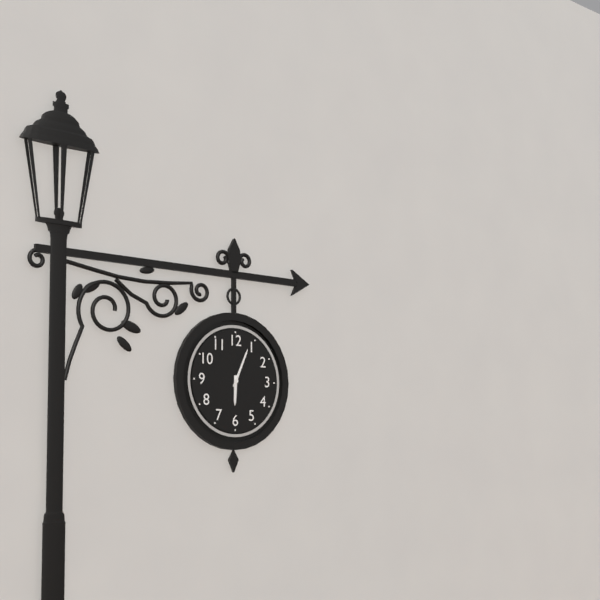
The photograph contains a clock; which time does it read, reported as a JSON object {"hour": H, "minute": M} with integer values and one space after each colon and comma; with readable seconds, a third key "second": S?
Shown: {"hour": 6, "minute": 4}
